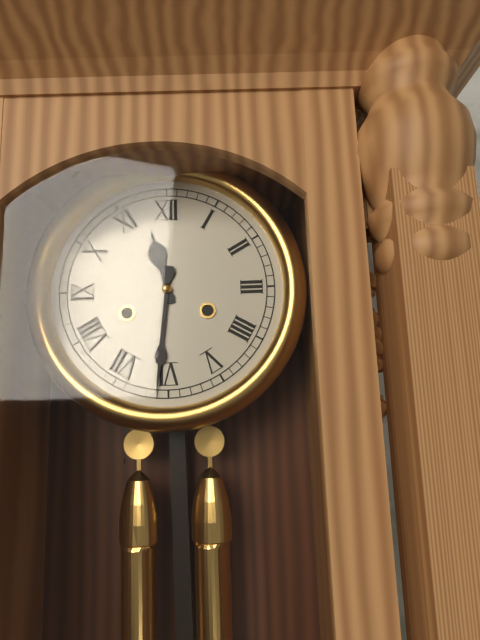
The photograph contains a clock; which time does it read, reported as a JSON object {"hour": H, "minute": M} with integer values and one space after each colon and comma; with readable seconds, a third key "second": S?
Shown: {"hour": 11, "minute": 31}
